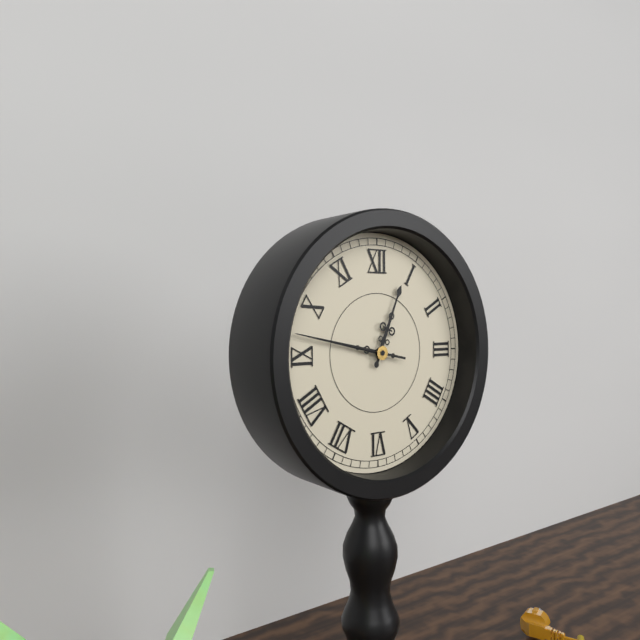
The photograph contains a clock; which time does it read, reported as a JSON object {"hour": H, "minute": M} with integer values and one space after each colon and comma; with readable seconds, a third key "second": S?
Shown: {"hour": 12, "minute": 47, "second": 47}
